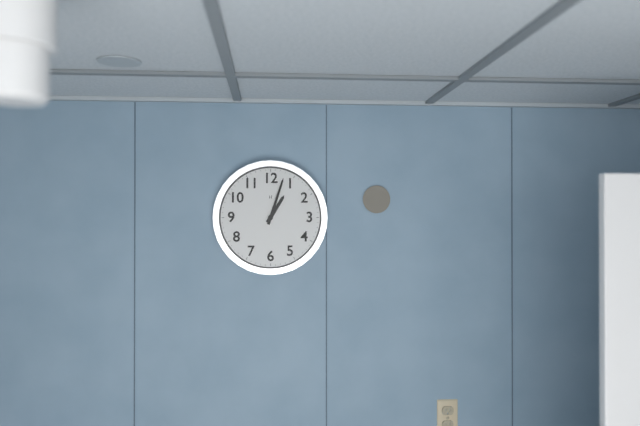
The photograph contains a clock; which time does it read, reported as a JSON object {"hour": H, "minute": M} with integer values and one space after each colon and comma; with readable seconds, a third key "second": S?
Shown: {"hour": 1, "minute": 3}
